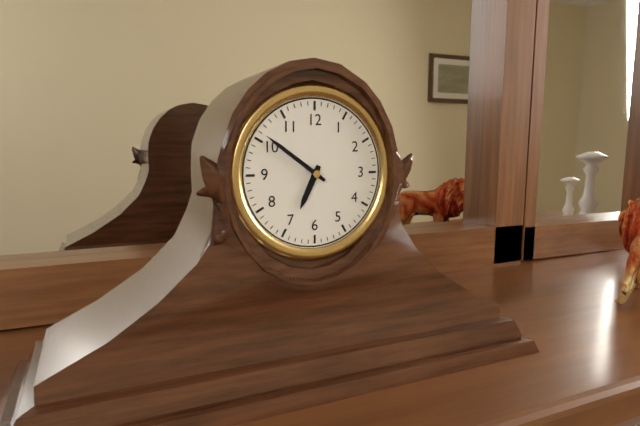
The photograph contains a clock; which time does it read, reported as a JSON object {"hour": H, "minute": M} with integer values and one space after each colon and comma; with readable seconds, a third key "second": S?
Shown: {"hour": 6, "minute": 51}
